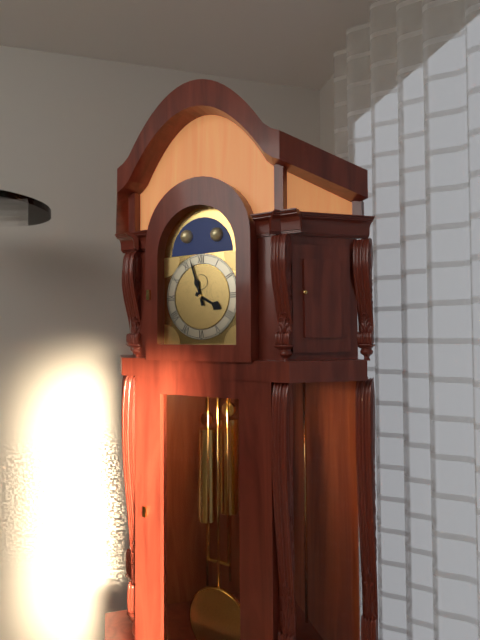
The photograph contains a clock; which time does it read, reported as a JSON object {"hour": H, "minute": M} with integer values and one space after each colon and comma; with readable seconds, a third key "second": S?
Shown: {"hour": 3, "minute": 57}
